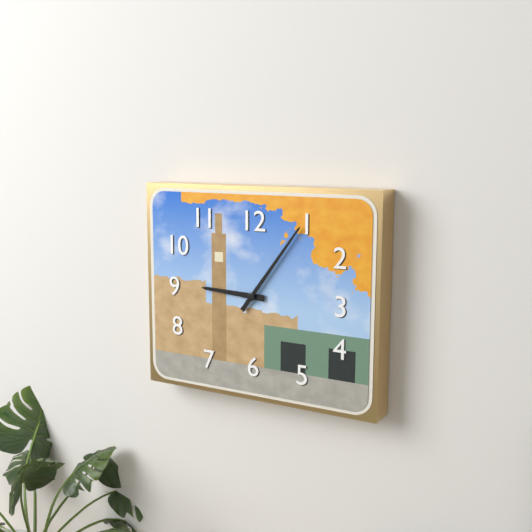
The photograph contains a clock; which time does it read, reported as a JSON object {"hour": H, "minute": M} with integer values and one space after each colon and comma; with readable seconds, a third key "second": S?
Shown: {"hour": 9, "minute": 6}
